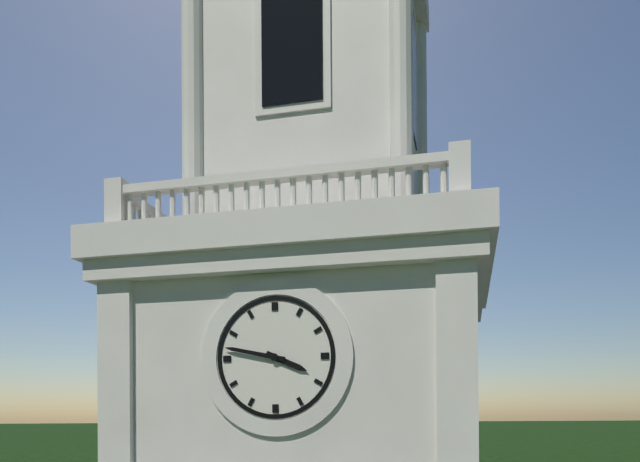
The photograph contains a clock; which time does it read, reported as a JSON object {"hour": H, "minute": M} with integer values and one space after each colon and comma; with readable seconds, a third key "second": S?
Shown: {"hour": 3, "minute": 47}
